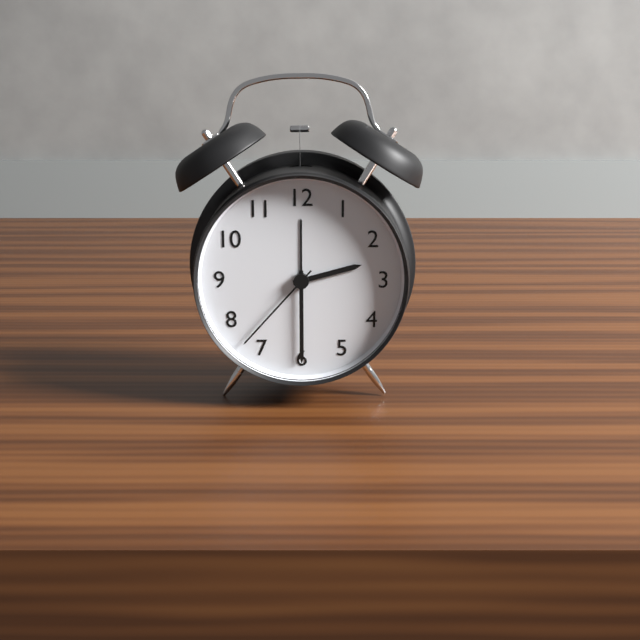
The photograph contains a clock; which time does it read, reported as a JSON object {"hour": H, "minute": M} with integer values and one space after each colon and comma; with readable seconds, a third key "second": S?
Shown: {"hour": 2, "minute": 30, "second": 37}
